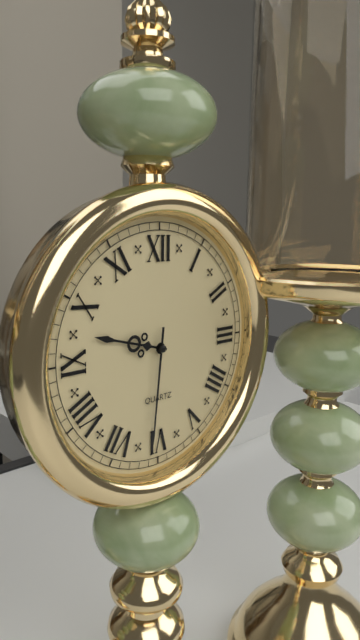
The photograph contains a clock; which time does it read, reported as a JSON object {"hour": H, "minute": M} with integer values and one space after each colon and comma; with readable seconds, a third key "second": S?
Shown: {"hour": 9, "minute": 31}
